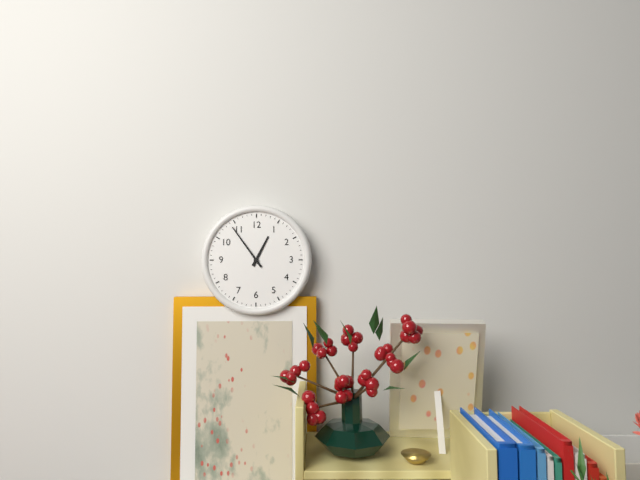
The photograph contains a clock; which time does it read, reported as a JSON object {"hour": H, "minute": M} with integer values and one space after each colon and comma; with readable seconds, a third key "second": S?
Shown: {"hour": 12, "minute": 54}
